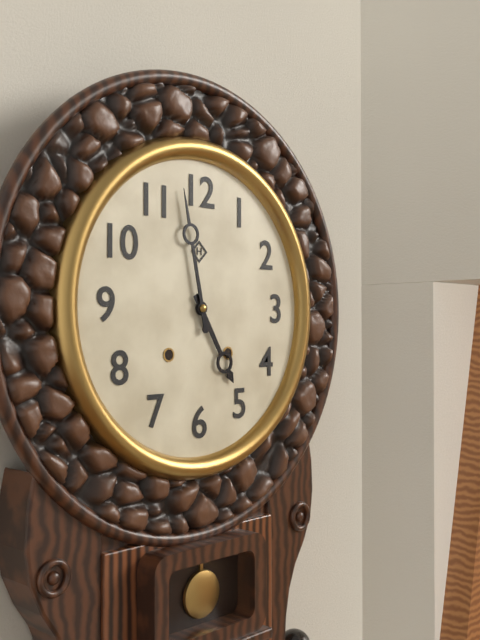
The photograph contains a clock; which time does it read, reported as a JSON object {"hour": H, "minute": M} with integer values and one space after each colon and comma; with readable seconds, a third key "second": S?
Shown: {"hour": 4, "minute": 58}
